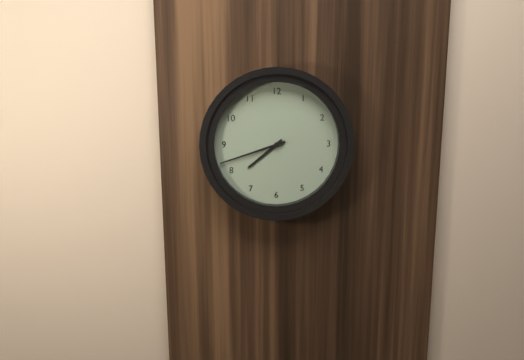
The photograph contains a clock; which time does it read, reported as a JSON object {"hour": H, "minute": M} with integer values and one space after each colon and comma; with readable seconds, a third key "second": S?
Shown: {"hour": 7, "minute": 42}
